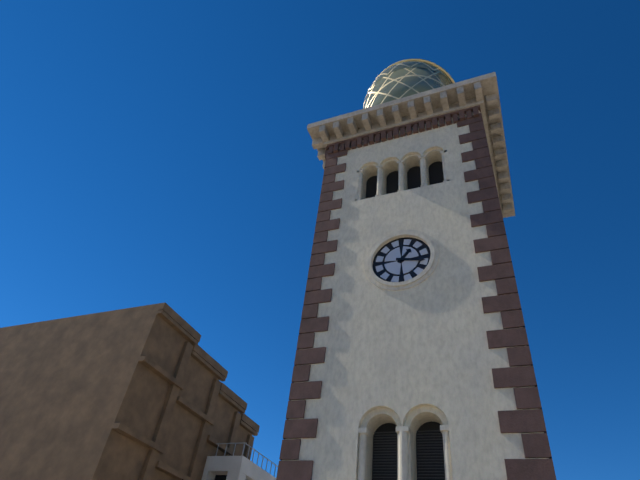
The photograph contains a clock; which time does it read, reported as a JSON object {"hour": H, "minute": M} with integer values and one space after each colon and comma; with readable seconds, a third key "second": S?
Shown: {"hour": 1, "minute": 17}
